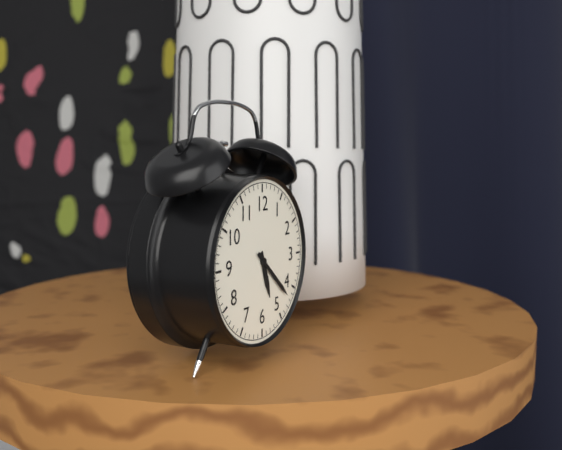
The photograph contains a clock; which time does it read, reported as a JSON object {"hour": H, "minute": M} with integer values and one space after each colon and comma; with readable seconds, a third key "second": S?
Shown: {"hour": 5, "minute": 22}
